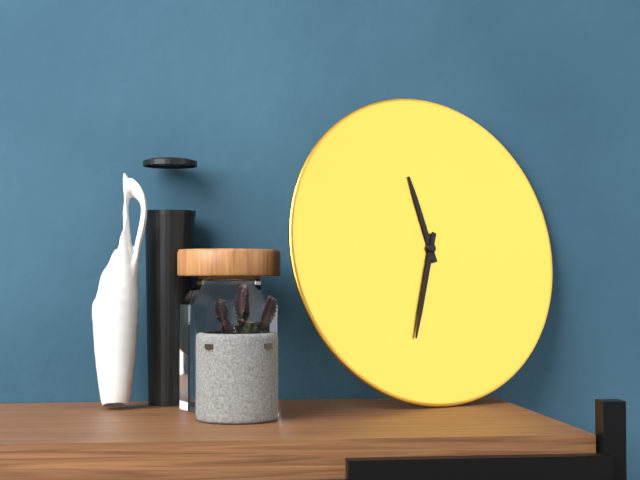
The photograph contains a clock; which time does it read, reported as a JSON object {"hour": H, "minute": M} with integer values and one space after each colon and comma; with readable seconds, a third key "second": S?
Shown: {"hour": 11, "minute": 33}
